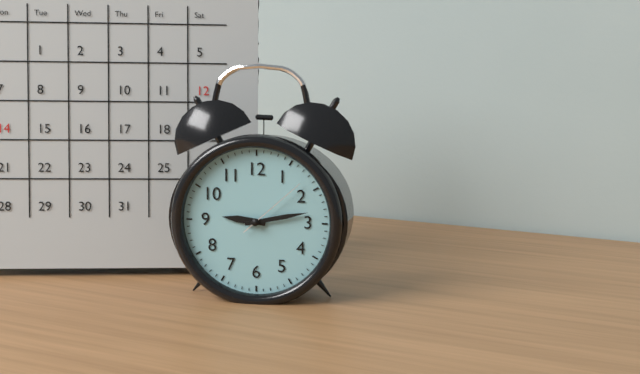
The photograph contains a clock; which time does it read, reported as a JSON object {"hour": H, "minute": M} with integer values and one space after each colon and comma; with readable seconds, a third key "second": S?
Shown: {"hour": 9, "minute": 13, "second": 8}
